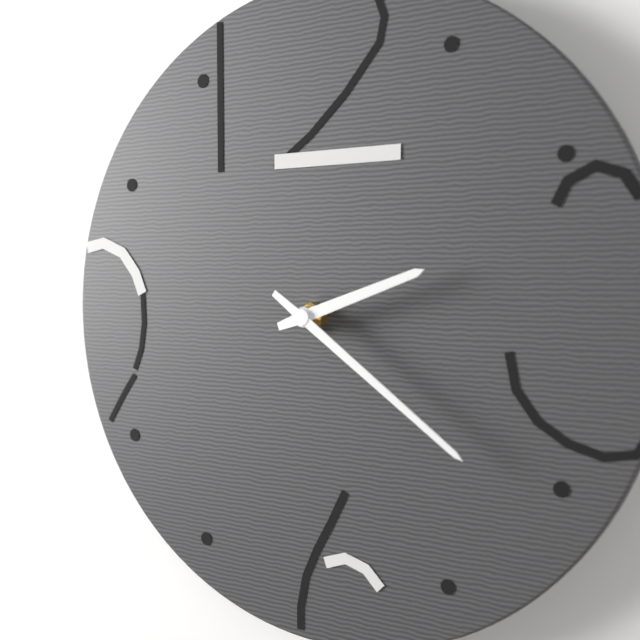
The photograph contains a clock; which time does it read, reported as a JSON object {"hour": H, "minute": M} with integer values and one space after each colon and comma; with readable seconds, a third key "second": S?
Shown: {"hour": 2, "minute": 21}
